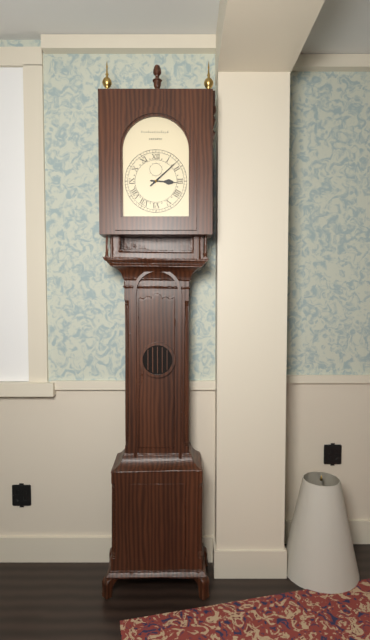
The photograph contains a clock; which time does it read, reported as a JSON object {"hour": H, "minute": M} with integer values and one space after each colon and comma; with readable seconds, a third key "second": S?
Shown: {"hour": 3, "minute": 8}
